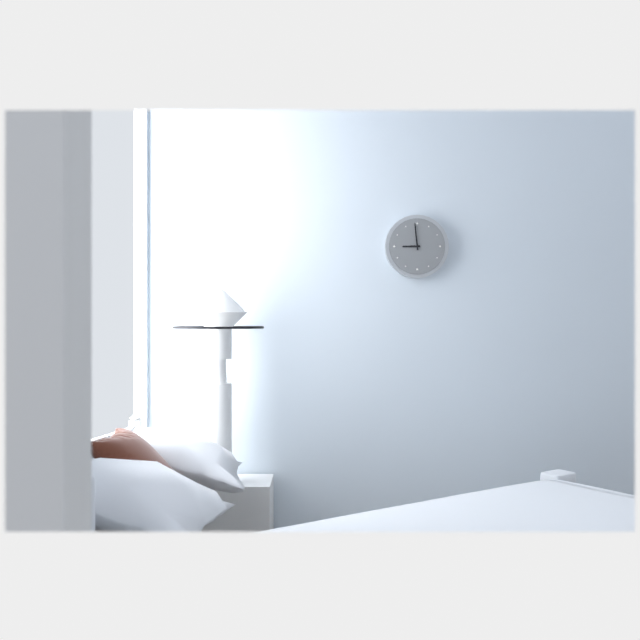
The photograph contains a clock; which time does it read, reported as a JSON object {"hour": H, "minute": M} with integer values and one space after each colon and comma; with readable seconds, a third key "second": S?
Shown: {"hour": 8, "minute": 59}
